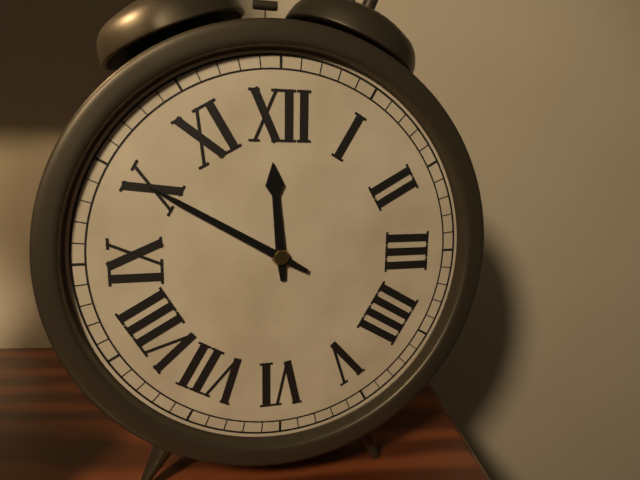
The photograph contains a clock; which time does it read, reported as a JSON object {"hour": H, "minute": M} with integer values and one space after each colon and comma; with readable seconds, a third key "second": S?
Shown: {"hour": 11, "minute": 50}
